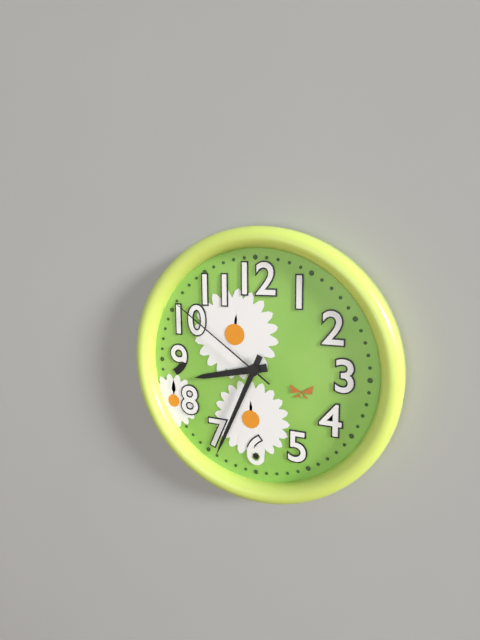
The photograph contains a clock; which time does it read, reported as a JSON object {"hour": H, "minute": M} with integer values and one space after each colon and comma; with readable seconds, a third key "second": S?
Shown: {"hour": 8, "minute": 34, "second": 51}
